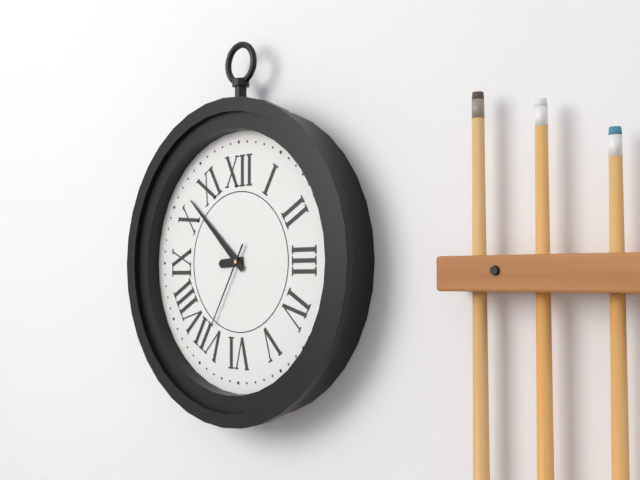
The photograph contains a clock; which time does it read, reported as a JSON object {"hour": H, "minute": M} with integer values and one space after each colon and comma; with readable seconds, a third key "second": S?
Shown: {"hour": 8, "minute": 52, "second": 35}
